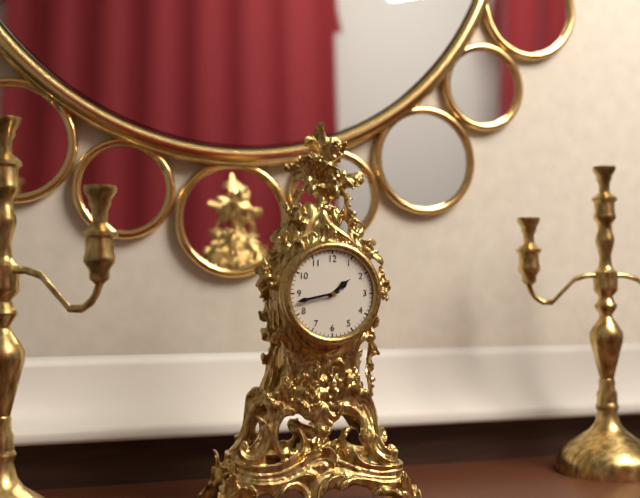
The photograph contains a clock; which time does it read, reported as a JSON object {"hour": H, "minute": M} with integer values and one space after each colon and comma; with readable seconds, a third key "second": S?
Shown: {"hour": 1, "minute": 43}
